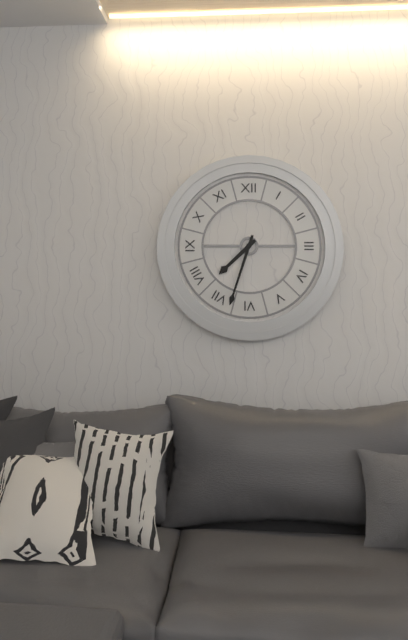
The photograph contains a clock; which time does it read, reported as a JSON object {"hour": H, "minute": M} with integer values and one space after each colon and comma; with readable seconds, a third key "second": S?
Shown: {"hour": 7, "minute": 33}
